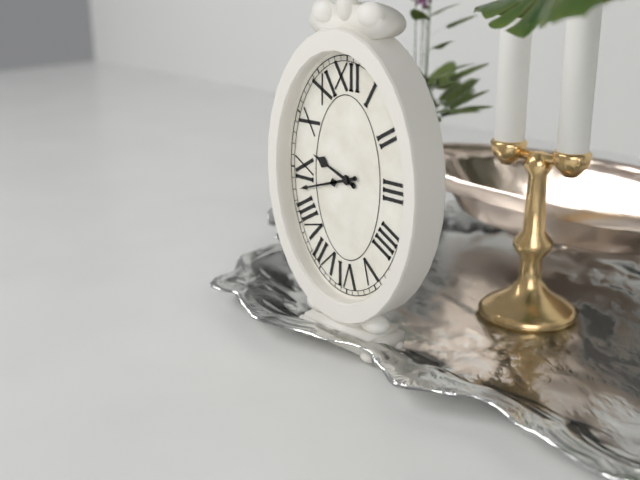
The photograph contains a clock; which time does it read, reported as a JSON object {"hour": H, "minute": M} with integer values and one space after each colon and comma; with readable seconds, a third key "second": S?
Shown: {"hour": 9, "minute": 42}
